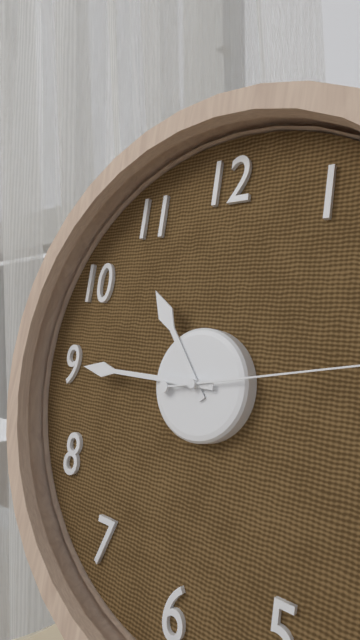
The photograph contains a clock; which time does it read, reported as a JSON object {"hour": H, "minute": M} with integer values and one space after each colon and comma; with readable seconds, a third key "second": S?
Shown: {"hour": 10, "minute": 45}
